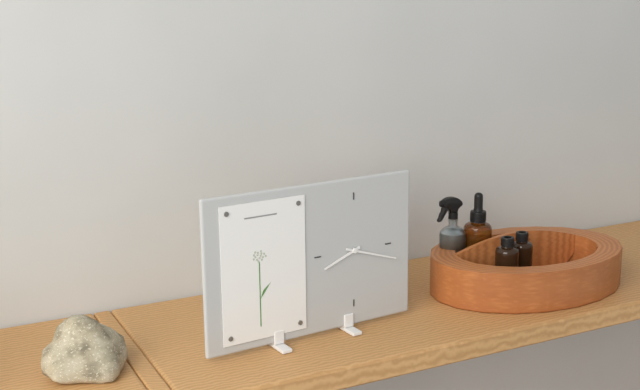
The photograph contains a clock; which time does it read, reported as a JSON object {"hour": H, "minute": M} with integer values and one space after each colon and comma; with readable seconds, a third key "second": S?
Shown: {"hour": 8, "minute": 18}
